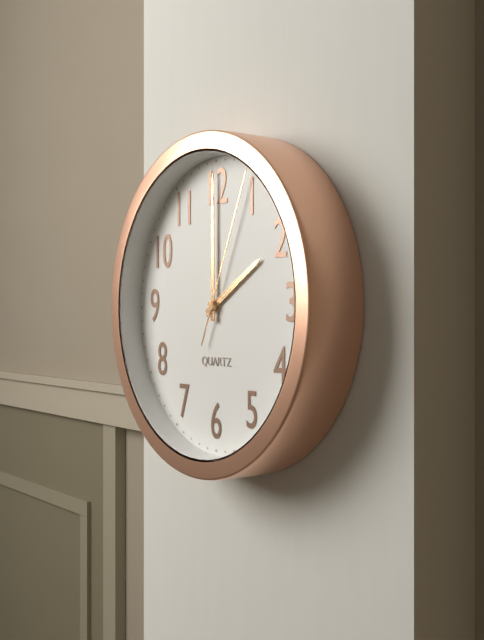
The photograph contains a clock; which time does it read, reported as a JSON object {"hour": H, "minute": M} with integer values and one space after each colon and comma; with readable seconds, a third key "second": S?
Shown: {"hour": 2, "minute": 0, "second": 4}
